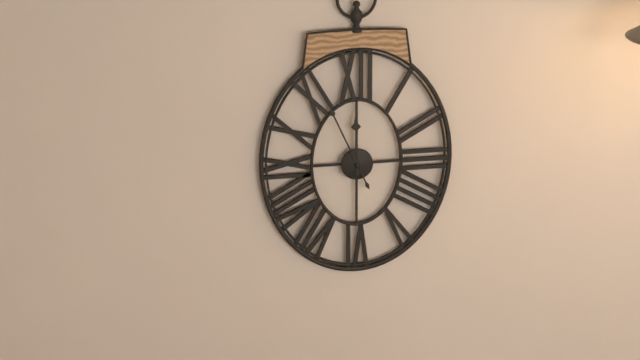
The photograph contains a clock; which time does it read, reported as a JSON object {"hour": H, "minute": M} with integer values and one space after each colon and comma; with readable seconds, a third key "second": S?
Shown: {"hour": 11, "minute": 56}
